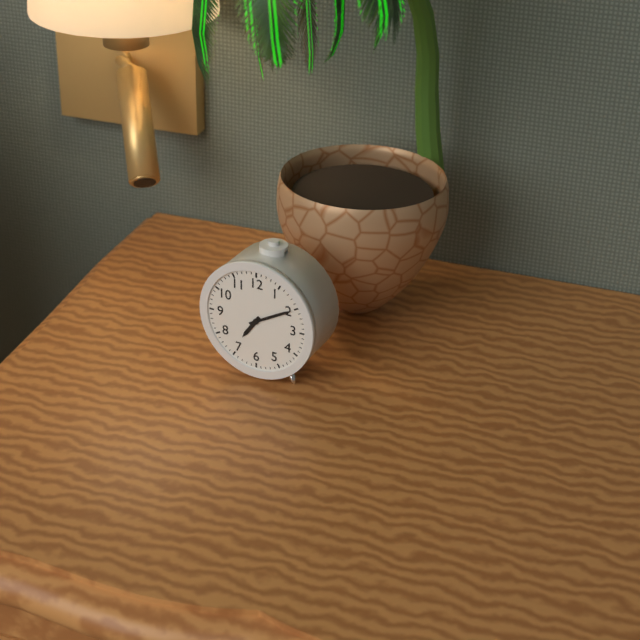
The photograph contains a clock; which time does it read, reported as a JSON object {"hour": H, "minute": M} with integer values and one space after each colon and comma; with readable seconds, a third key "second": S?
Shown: {"hour": 7, "minute": 10}
